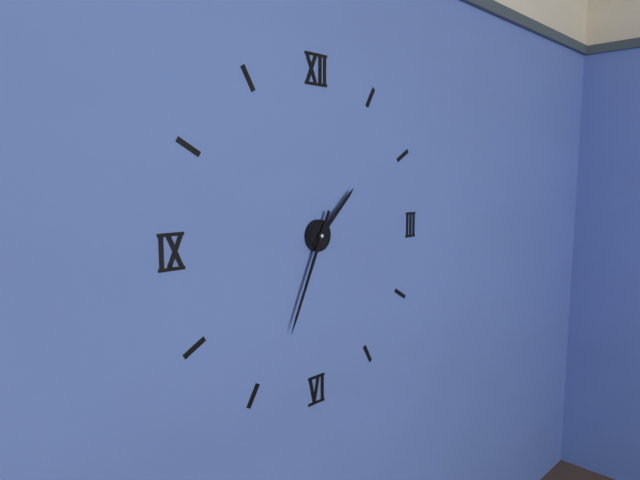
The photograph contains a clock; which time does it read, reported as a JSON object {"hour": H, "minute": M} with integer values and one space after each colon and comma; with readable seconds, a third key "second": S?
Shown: {"hour": 1, "minute": 34}
